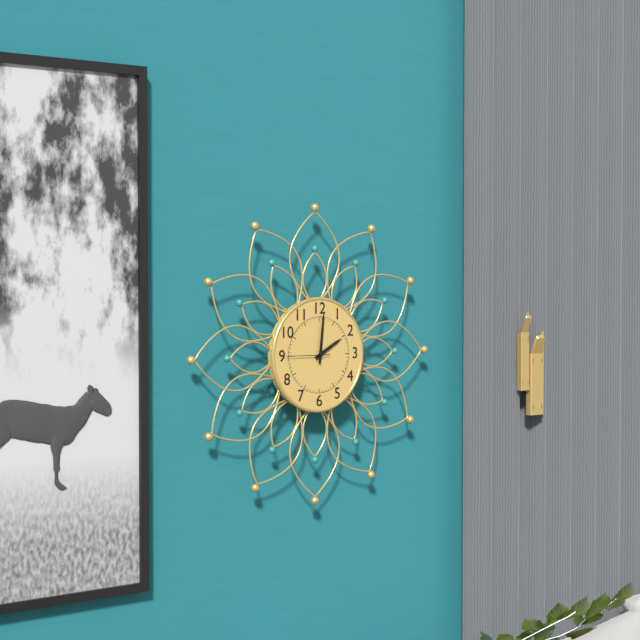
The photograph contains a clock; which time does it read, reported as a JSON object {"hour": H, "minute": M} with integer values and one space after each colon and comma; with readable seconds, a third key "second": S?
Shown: {"hour": 2, "minute": 1}
